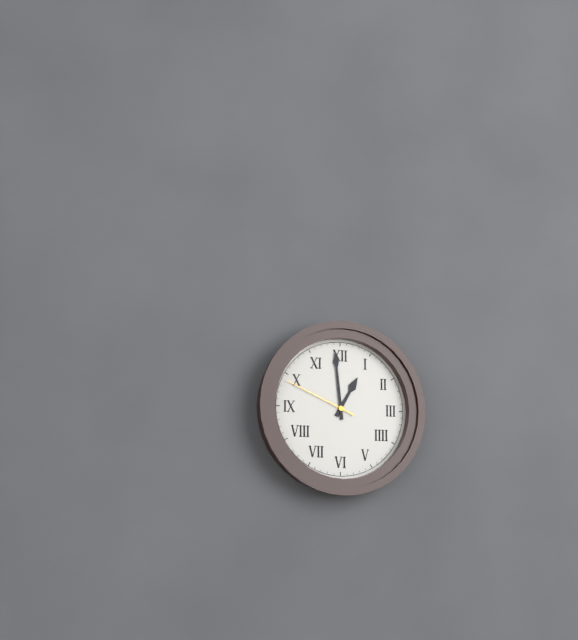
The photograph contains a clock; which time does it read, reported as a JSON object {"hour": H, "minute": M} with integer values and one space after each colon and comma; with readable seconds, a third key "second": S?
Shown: {"hour": 12, "minute": 59, "second": 49}
